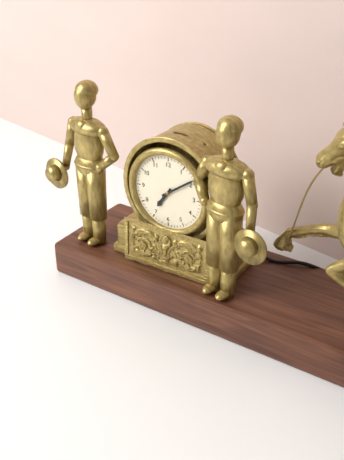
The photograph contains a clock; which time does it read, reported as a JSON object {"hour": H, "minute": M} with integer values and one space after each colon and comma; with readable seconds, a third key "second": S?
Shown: {"hour": 7, "minute": 9}
